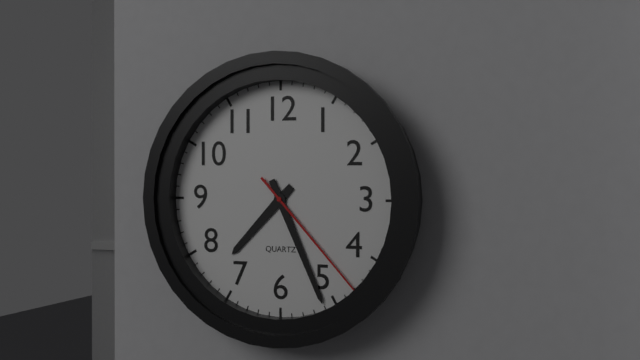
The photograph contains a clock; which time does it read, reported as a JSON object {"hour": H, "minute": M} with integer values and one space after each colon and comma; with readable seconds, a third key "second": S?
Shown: {"hour": 7, "minute": 26, "second": 23}
